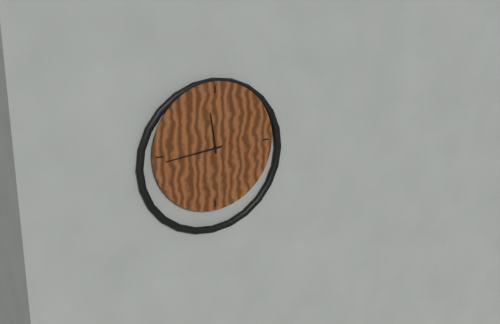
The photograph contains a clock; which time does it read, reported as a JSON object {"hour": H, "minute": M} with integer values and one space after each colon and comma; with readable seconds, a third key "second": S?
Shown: {"hour": 11, "minute": 44}
